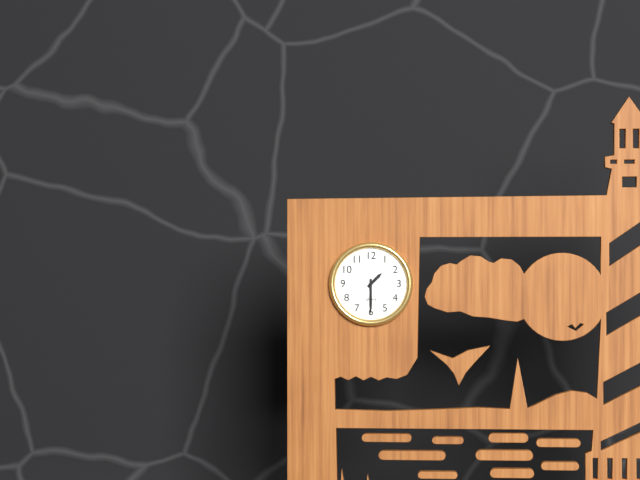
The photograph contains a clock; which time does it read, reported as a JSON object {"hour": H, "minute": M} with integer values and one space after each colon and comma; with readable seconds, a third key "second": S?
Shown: {"hour": 1, "minute": 30}
